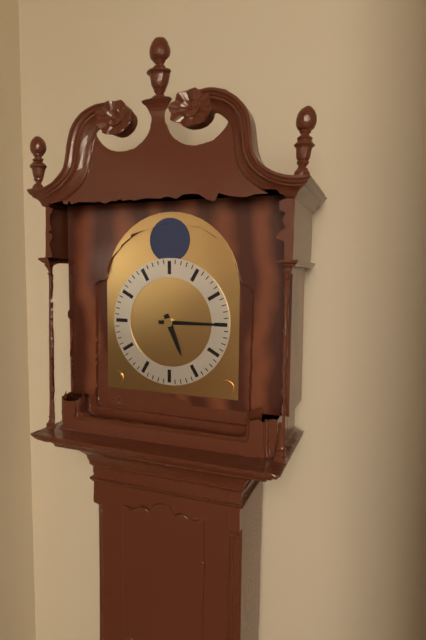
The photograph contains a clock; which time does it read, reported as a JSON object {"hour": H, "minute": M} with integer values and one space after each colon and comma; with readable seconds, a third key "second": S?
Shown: {"hour": 5, "minute": 15}
